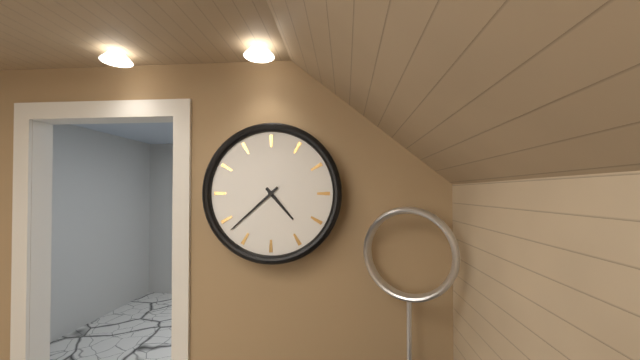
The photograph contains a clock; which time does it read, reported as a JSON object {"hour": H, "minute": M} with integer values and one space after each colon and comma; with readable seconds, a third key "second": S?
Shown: {"hour": 4, "minute": 38}
